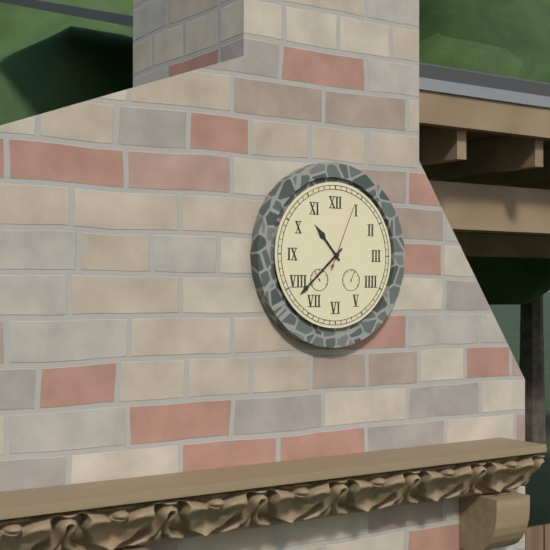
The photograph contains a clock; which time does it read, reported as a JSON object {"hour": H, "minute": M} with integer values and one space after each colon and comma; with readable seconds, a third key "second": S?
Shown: {"hour": 10, "minute": 38, "second": 4}
